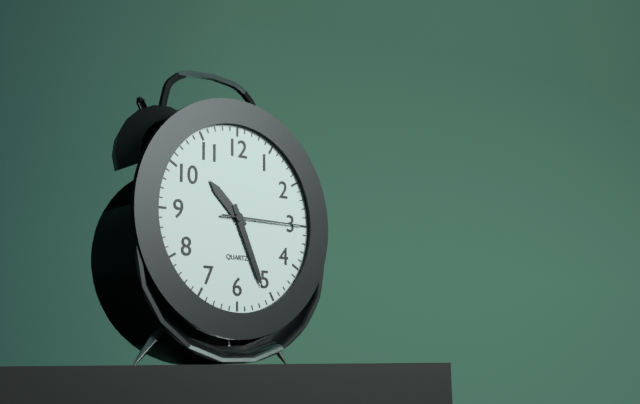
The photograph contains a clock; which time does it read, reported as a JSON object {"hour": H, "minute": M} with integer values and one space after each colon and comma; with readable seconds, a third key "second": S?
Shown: {"hour": 10, "minute": 26, "second": 15}
